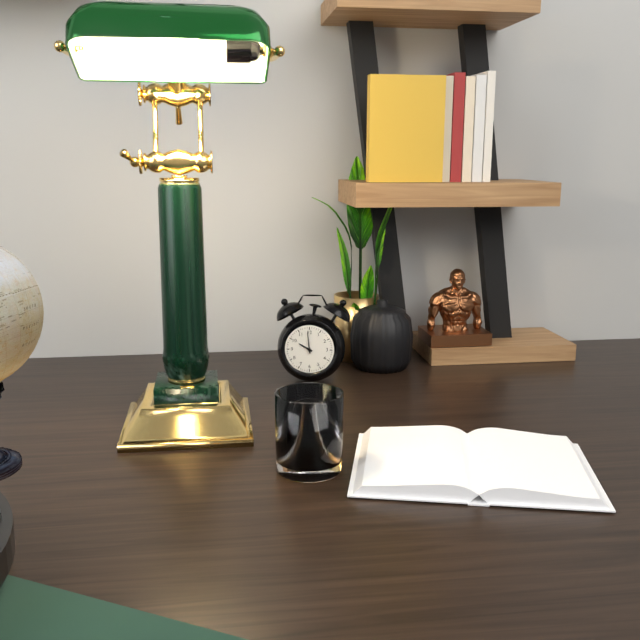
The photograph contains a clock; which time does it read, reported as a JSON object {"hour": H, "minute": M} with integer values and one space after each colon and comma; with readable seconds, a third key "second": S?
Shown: {"hour": 9, "minute": 59}
